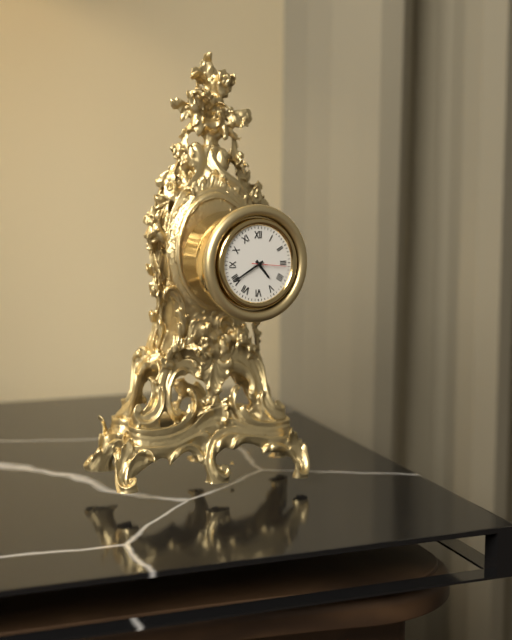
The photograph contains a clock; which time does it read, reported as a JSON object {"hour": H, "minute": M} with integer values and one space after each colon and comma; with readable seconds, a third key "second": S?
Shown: {"hour": 4, "minute": 40}
